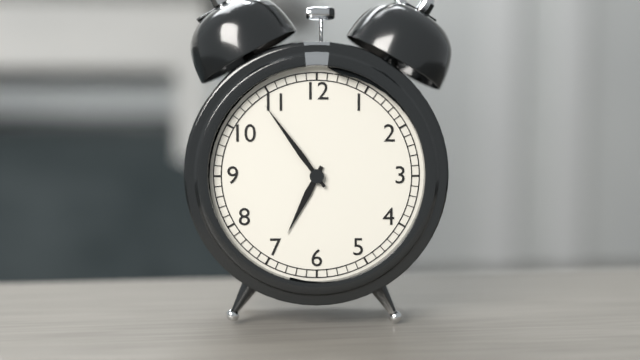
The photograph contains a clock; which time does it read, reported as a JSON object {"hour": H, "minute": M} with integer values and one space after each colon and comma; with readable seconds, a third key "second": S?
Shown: {"hour": 6, "minute": 54}
